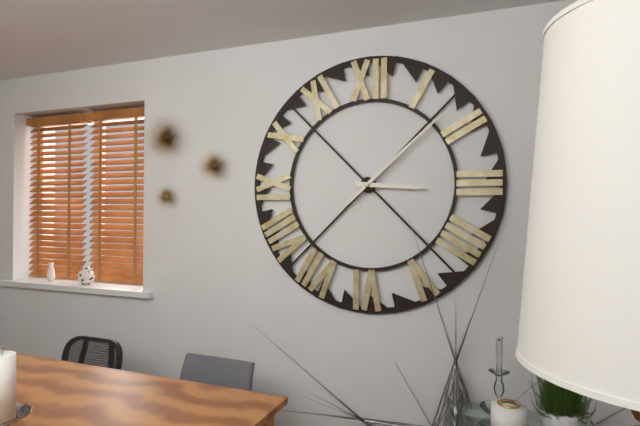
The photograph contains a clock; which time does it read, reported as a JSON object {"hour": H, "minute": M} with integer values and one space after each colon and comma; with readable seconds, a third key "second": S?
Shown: {"hour": 3, "minute": 8}
